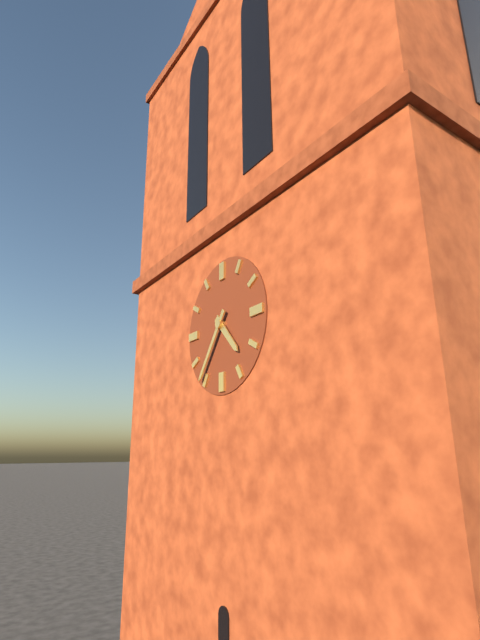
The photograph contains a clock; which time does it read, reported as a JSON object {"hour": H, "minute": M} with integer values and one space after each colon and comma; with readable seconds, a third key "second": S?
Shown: {"hour": 4, "minute": 36}
